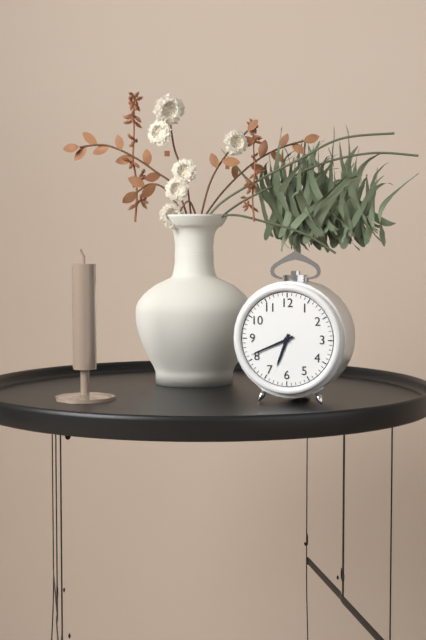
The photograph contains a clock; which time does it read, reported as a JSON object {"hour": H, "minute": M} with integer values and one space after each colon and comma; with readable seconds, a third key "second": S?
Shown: {"hour": 6, "minute": 41}
